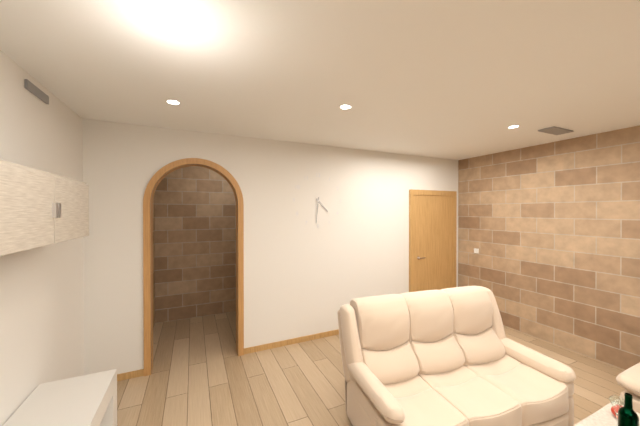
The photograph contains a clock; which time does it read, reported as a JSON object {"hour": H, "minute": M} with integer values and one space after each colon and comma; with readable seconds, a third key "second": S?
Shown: {"hour": 4, "minute": 31}
